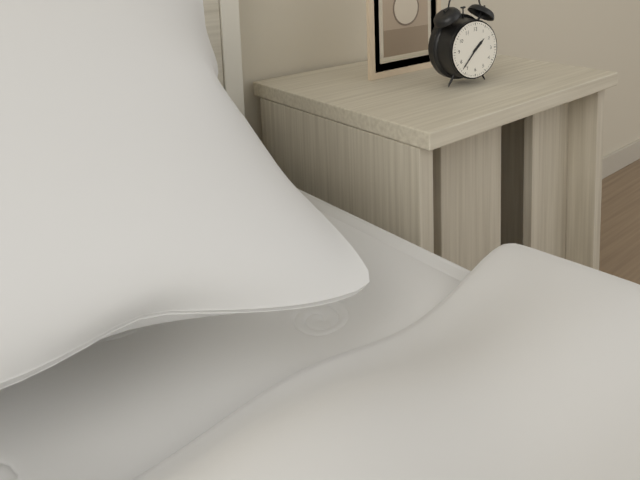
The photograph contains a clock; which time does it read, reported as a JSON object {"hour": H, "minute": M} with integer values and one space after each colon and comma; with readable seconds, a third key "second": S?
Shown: {"hour": 1, "minute": 37}
